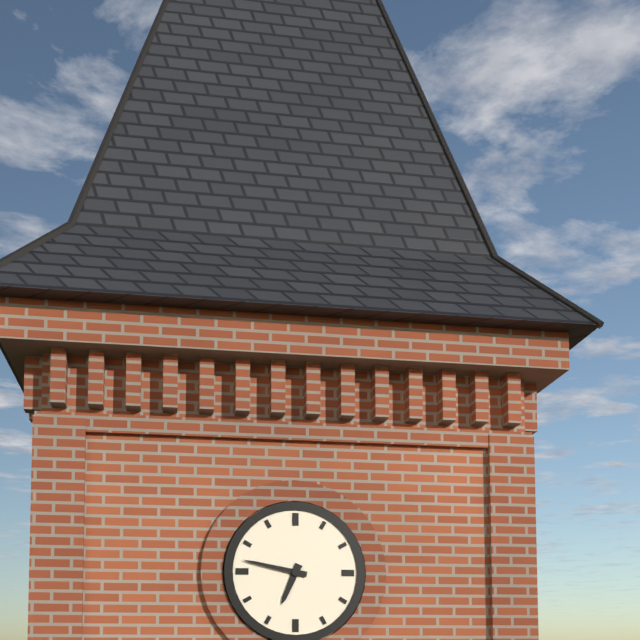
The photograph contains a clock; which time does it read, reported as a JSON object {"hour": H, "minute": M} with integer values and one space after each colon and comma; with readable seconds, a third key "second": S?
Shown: {"hour": 6, "minute": 47}
